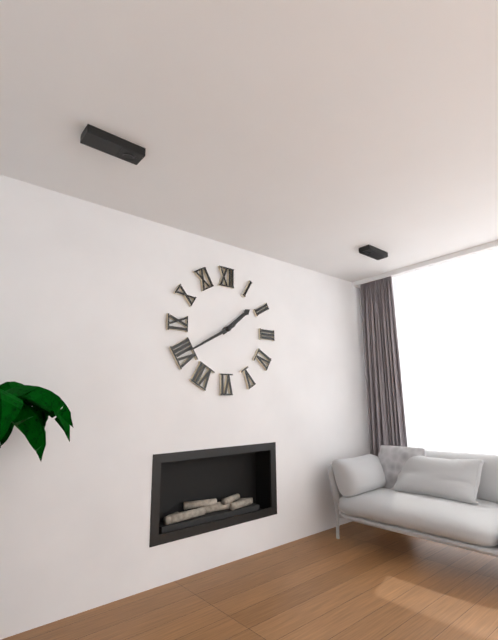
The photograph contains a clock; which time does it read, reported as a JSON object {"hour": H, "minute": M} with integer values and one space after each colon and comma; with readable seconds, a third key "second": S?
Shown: {"hour": 1, "minute": 40}
